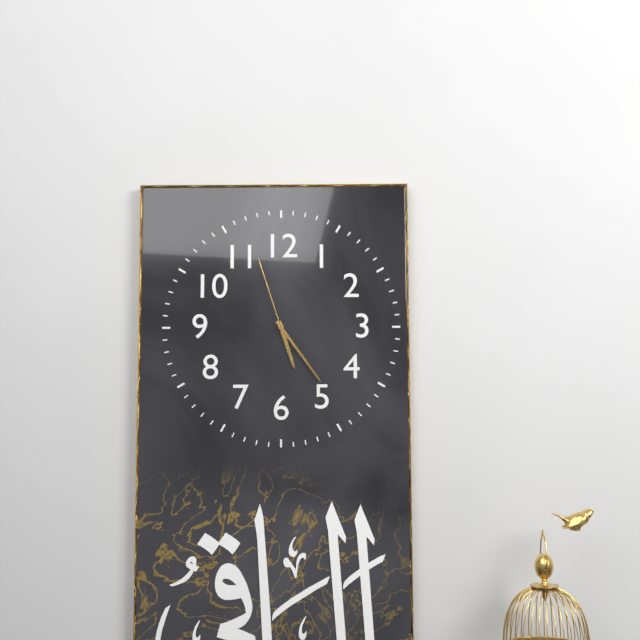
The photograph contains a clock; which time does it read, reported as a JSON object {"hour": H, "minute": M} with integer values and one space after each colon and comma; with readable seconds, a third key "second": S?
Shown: {"hour": 5, "minute": 24, "second": 57}
